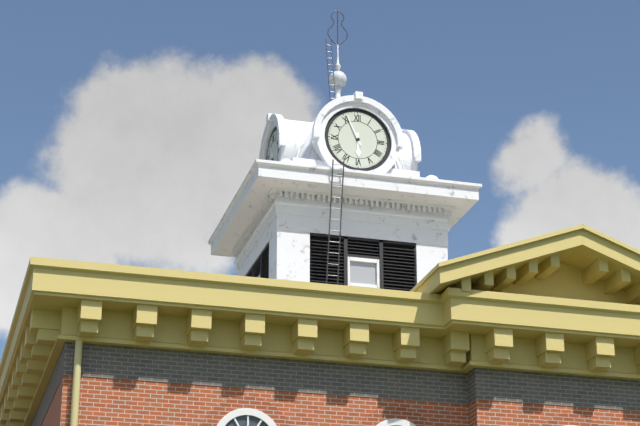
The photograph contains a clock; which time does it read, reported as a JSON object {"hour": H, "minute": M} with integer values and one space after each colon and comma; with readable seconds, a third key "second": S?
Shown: {"hour": 5, "minute": 56}
